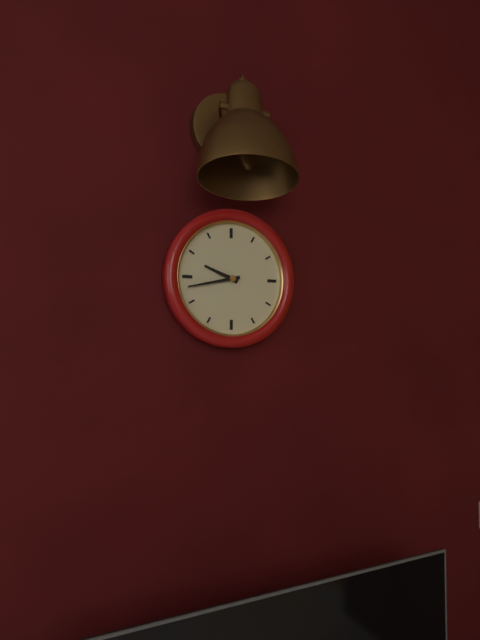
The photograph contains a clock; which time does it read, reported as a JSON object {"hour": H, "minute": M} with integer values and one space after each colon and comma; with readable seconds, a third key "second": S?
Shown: {"hour": 9, "minute": 43}
